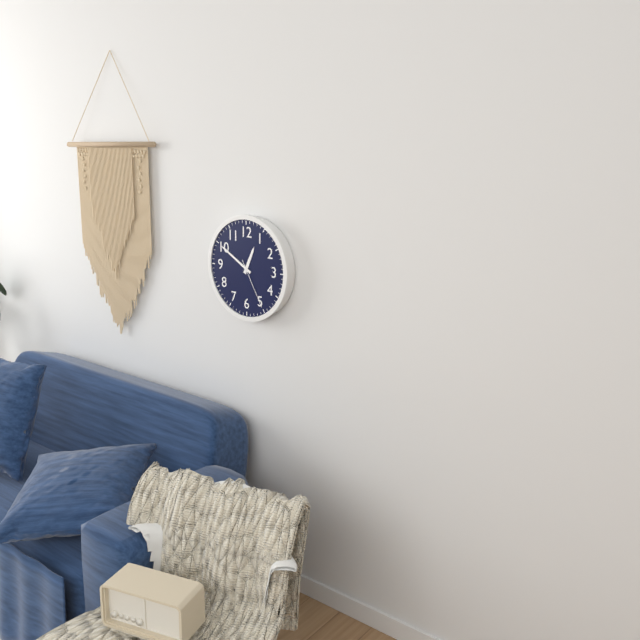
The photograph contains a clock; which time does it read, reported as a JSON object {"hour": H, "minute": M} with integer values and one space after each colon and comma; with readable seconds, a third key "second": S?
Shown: {"hour": 12, "minute": 50, "second": 25}
